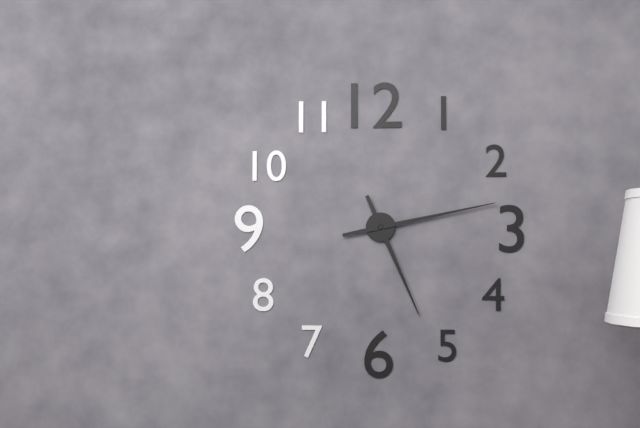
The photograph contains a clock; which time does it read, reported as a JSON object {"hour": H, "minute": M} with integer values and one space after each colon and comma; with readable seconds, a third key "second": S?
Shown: {"hour": 5, "minute": 13}
